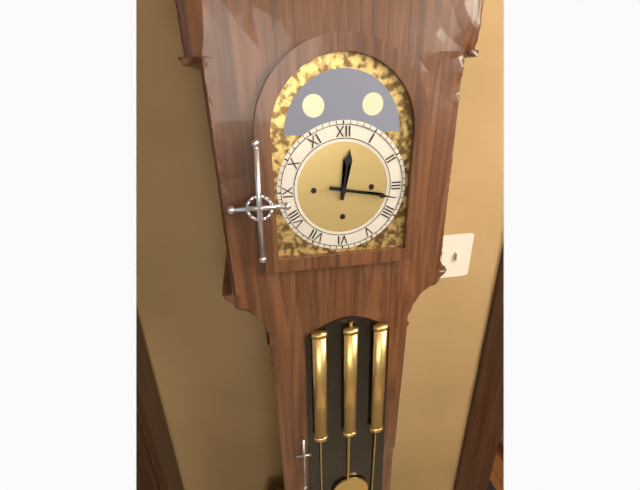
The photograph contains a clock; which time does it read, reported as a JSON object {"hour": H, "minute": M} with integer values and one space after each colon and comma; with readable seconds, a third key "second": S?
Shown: {"hour": 12, "minute": 17}
